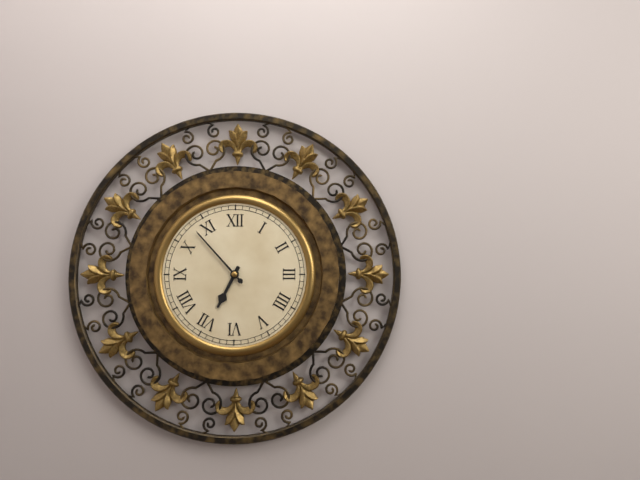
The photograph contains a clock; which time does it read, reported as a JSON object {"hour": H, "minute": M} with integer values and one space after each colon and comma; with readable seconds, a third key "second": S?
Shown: {"hour": 6, "minute": 53}
